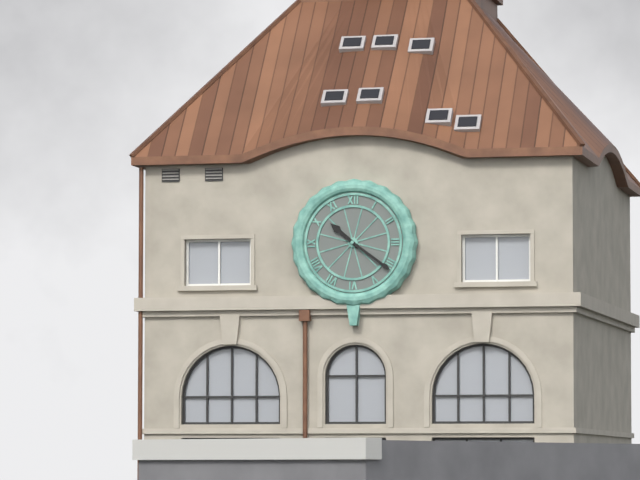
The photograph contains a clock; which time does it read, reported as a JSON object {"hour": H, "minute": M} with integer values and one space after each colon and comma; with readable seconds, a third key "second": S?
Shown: {"hour": 10, "minute": 21}
